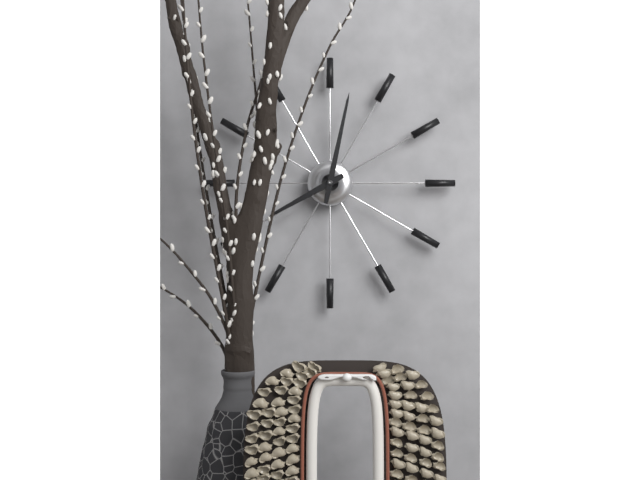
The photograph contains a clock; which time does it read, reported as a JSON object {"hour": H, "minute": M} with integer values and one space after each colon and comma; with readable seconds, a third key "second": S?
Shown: {"hour": 8, "minute": 2}
